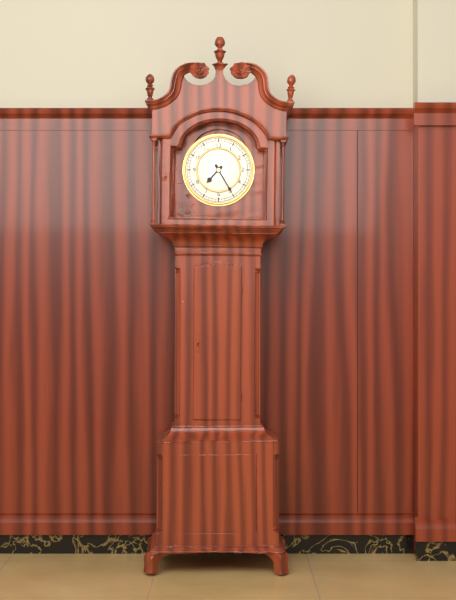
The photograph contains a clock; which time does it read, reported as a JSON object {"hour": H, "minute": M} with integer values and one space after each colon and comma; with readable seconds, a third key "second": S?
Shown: {"hour": 7, "minute": 25}
